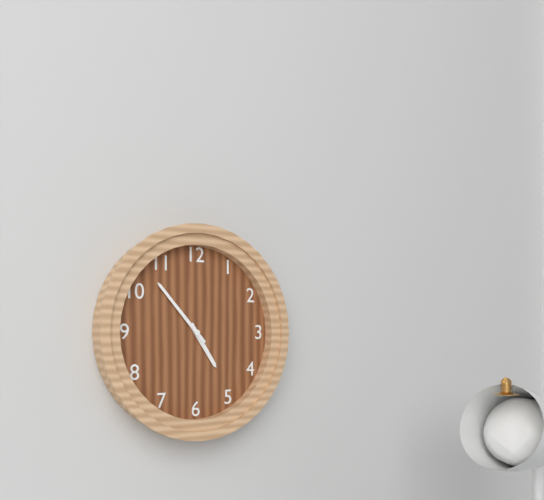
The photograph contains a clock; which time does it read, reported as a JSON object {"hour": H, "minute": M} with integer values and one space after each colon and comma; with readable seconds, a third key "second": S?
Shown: {"hour": 4, "minute": 53}
